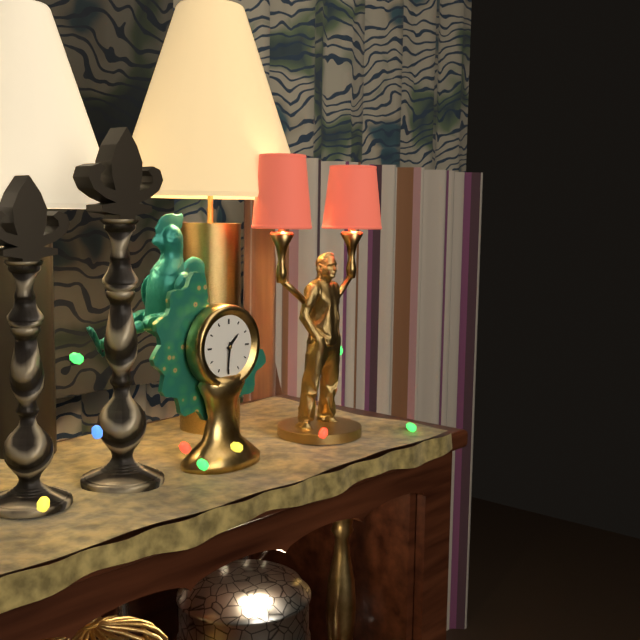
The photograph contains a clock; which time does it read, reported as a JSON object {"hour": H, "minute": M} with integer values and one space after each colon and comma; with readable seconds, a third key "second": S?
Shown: {"hour": 1, "minute": 31}
